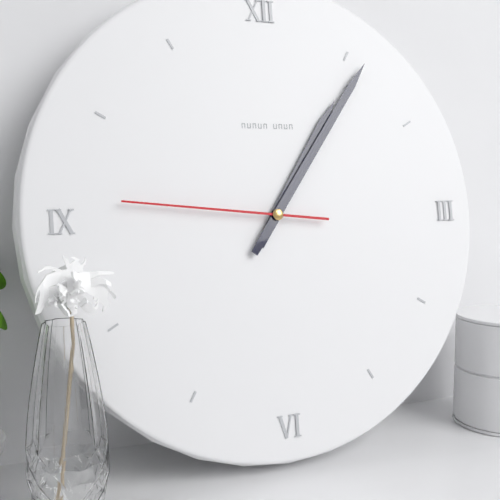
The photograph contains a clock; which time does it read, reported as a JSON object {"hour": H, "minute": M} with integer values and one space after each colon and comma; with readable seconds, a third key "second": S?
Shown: {"hour": 1, "minute": 6, "second": 46}
